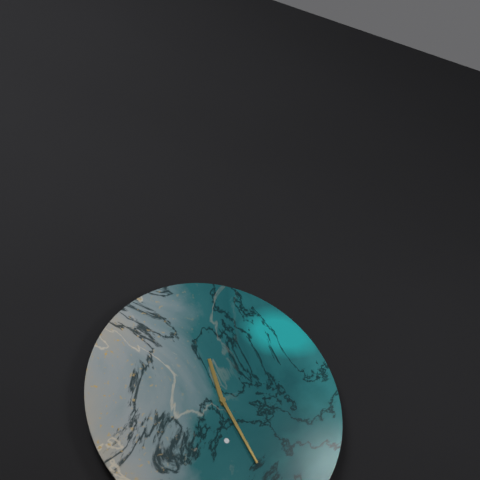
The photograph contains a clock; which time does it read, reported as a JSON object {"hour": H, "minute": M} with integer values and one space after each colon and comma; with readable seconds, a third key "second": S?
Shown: {"hour": 11, "minute": 25}
